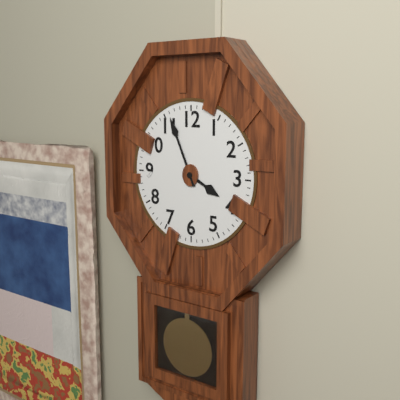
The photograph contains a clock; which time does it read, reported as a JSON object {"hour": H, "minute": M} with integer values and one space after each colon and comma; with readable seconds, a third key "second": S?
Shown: {"hour": 3, "minute": 56}
